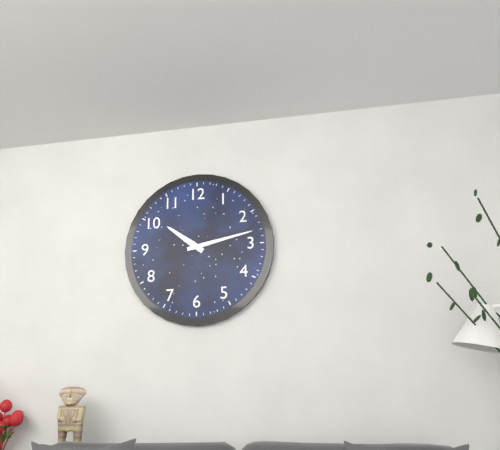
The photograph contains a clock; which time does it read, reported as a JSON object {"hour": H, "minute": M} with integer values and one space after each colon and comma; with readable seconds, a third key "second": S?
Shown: {"hour": 10, "minute": 13}
